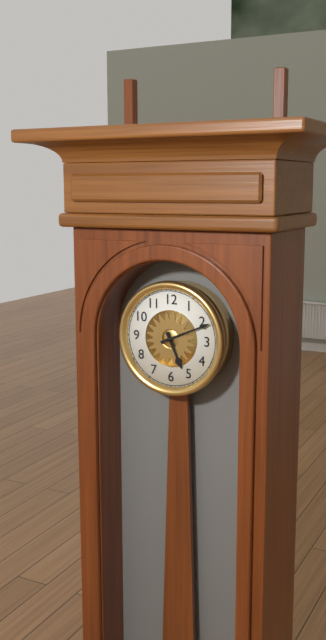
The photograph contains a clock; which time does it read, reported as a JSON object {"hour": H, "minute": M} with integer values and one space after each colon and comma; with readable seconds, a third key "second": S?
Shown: {"hour": 5, "minute": 11}
